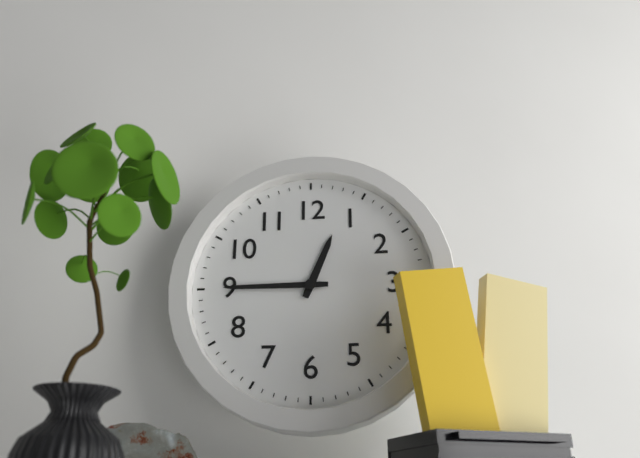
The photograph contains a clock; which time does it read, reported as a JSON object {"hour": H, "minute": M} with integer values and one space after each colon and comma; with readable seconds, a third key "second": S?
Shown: {"hour": 12, "minute": 45}
